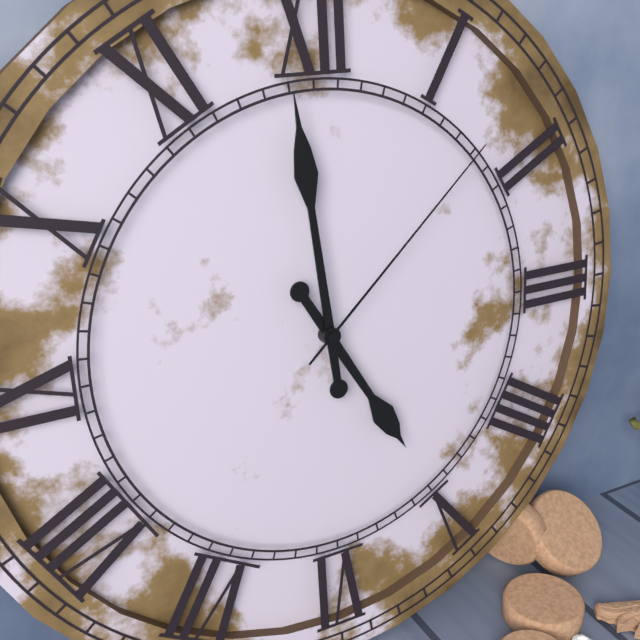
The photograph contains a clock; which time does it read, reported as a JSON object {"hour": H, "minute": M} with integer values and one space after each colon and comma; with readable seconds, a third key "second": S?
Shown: {"hour": 4, "minute": 59, "second": 8}
